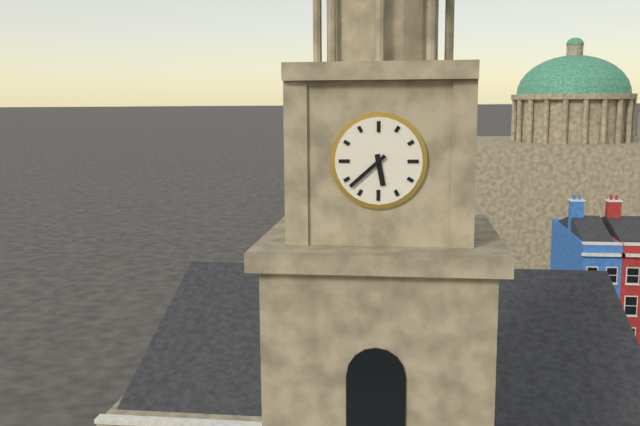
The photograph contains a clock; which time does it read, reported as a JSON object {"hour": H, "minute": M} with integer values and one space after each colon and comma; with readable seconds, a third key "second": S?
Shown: {"hour": 5, "minute": 38}
